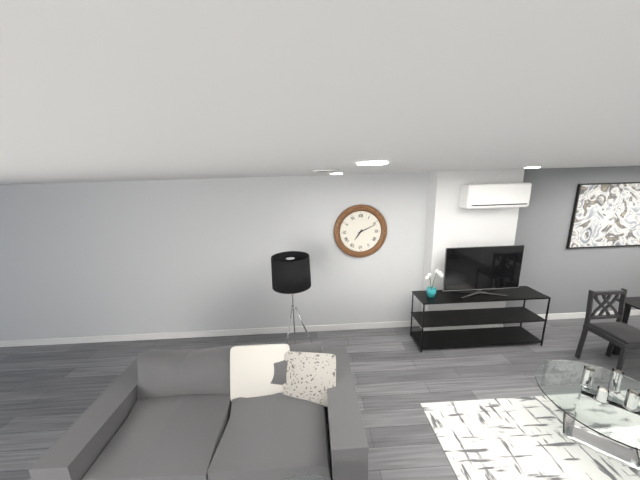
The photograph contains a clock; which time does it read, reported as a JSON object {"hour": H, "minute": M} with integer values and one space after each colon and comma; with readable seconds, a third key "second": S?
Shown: {"hour": 7, "minute": 11}
